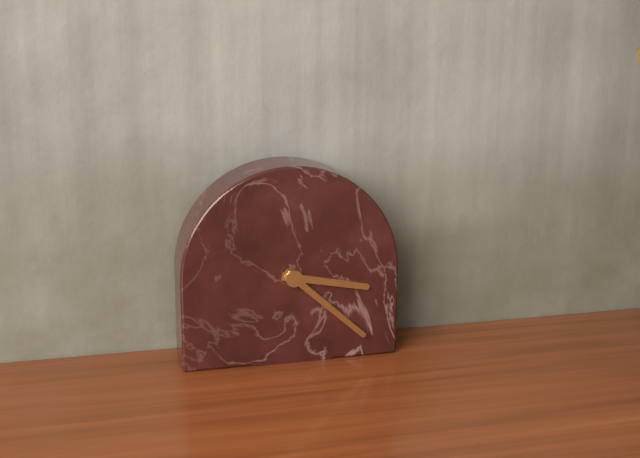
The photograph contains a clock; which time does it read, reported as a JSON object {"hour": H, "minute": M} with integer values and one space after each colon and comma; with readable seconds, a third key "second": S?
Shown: {"hour": 3, "minute": 22}
